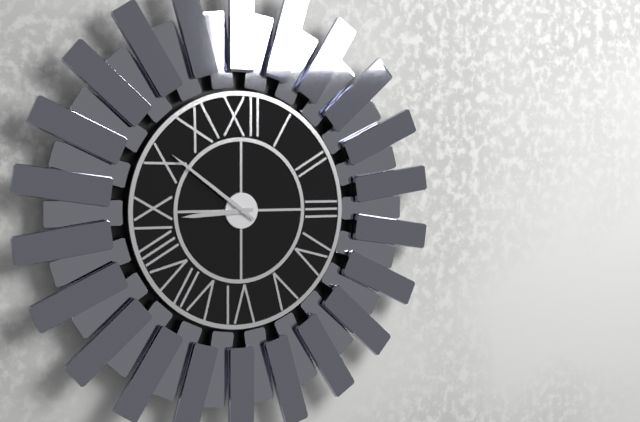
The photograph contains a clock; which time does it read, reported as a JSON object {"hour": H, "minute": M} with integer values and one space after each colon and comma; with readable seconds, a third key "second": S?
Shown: {"hour": 8, "minute": 51}
